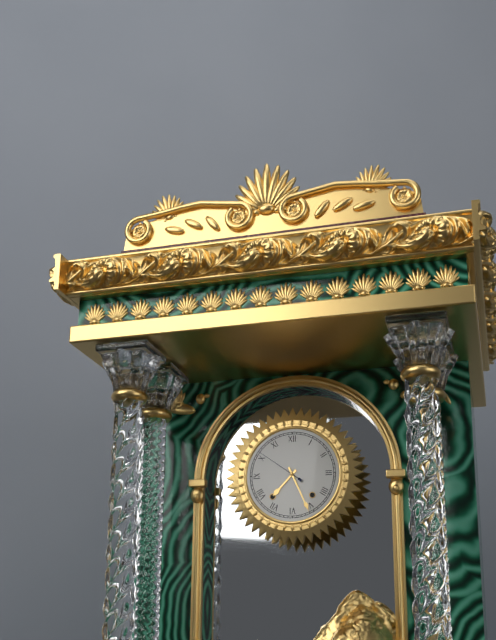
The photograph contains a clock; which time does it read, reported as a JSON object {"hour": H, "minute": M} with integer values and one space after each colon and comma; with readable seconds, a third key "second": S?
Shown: {"hour": 7, "minute": 26, "second": 51}
